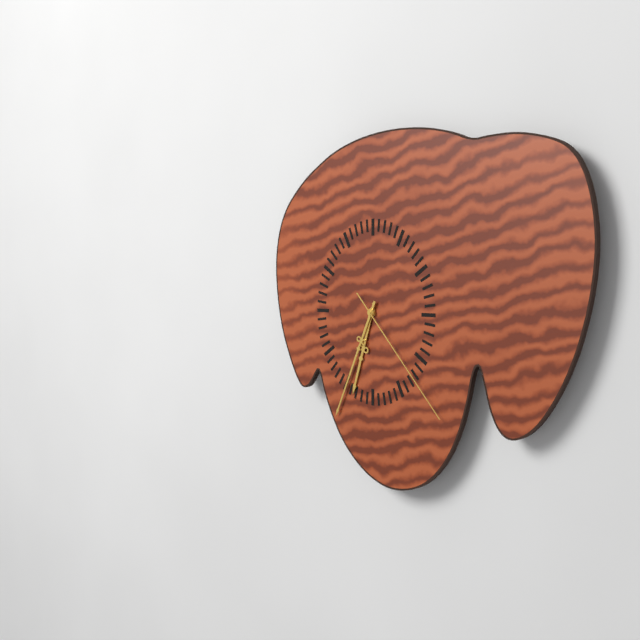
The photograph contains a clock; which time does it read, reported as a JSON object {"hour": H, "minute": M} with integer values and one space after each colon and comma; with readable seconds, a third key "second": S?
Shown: {"hour": 6, "minute": 34, "second": 23}
